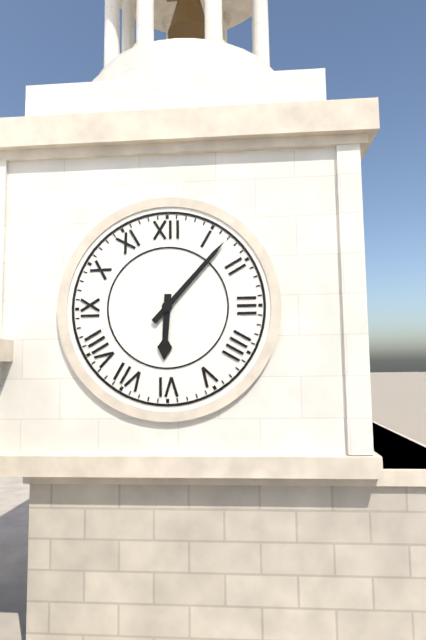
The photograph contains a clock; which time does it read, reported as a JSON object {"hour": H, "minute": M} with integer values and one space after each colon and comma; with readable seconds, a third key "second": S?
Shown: {"hour": 6, "minute": 7}
